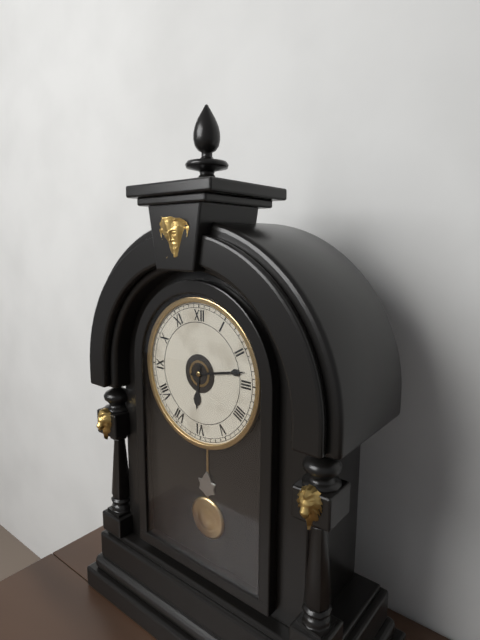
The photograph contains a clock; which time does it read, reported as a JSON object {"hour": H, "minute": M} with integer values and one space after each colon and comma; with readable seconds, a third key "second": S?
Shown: {"hour": 6, "minute": 13}
